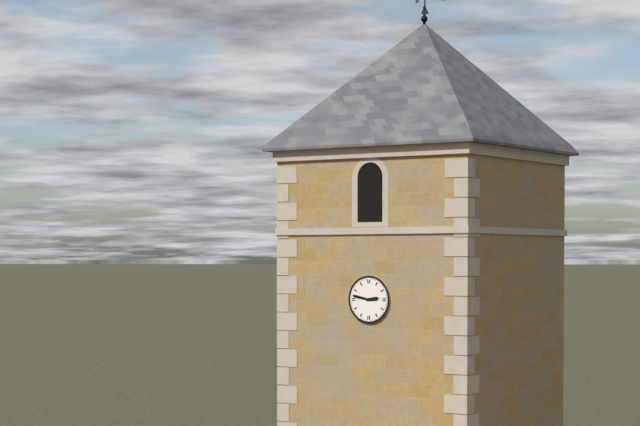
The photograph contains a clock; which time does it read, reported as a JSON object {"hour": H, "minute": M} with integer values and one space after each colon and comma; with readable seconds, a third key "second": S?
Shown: {"hour": 2, "minute": 47}
